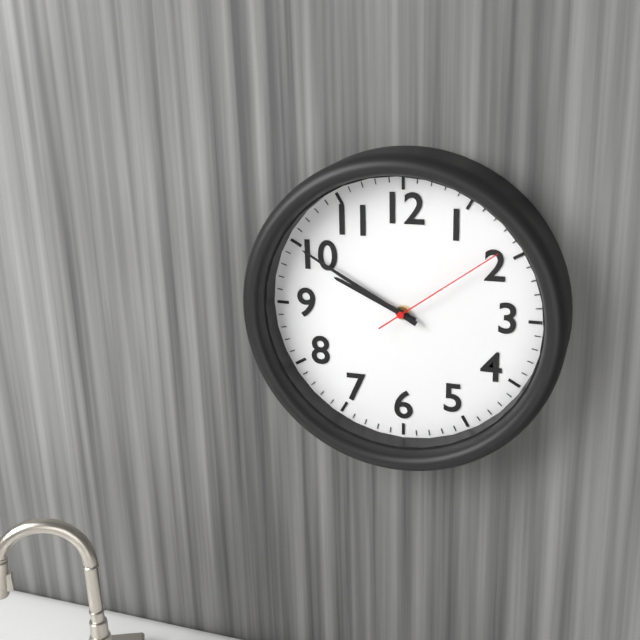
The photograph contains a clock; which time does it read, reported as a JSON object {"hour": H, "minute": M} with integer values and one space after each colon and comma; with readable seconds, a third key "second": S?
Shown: {"hour": 9, "minute": 50, "second": 9}
